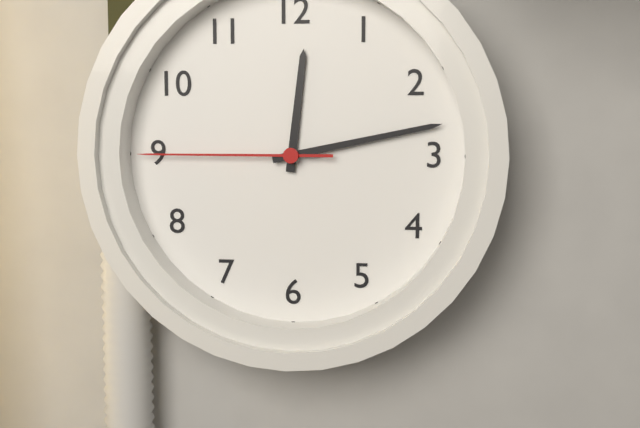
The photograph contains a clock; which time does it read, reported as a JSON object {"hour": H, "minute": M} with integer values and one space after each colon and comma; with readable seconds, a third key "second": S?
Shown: {"hour": 12, "minute": 13, "second": 45}
